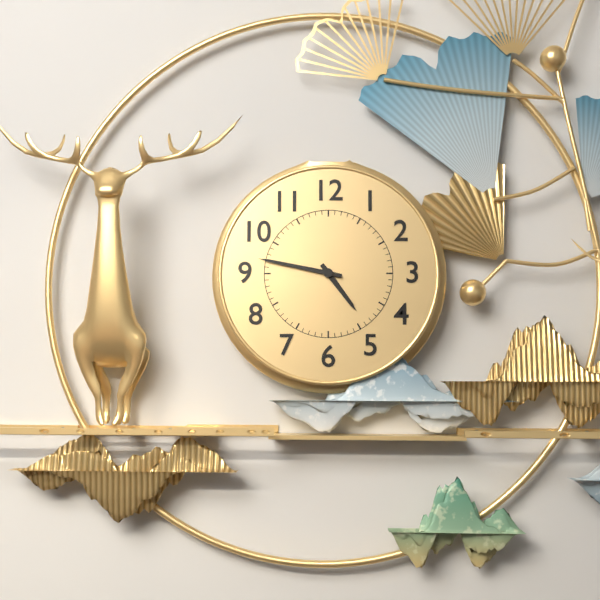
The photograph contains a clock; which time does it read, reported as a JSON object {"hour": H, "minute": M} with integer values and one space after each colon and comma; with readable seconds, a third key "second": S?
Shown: {"hour": 4, "minute": 47}
